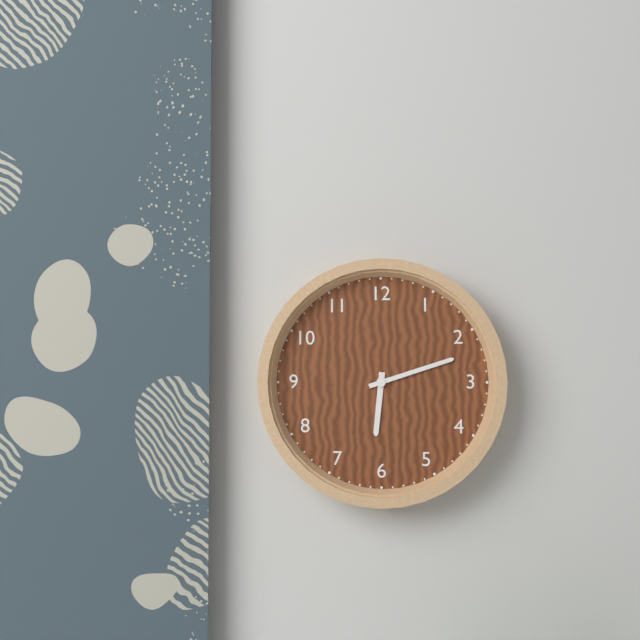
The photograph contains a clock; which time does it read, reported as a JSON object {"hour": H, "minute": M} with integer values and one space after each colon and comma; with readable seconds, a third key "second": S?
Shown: {"hour": 6, "minute": 12}
